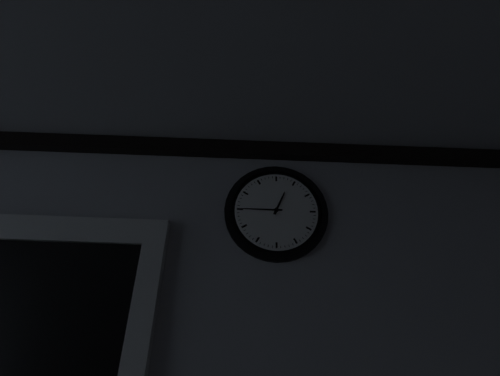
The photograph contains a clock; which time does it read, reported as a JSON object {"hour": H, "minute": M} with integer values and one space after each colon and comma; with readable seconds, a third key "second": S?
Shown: {"hour": 12, "minute": 45}
